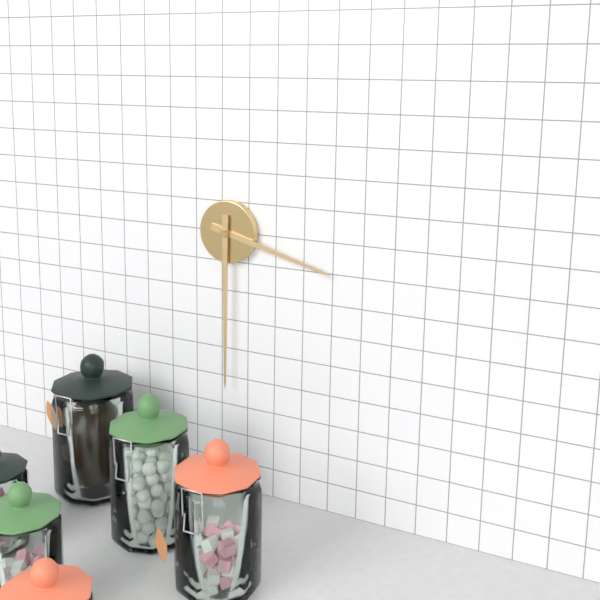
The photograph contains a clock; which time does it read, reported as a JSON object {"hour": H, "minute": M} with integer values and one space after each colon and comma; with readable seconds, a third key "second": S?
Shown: {"hour": 3, "minute": 30}
